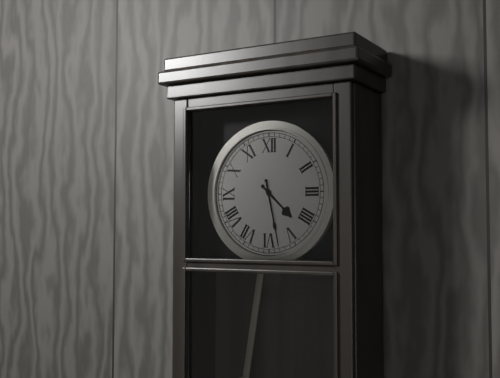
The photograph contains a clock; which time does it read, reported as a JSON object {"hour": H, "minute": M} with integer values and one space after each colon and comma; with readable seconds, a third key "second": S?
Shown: {"hour": 4, "minute": 28}
